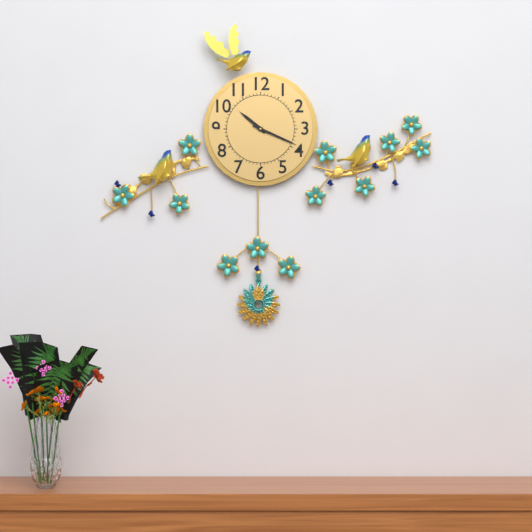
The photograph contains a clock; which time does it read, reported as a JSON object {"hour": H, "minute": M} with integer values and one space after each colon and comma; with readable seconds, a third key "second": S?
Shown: {"hour": 10, "minute": 19}
